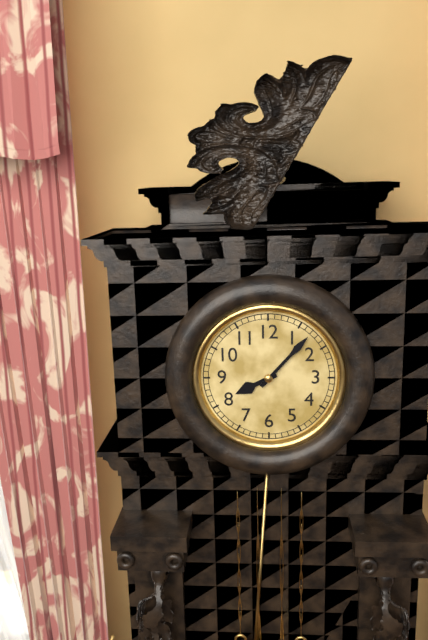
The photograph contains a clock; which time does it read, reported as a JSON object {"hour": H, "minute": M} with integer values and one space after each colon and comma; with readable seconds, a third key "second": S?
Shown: {"hour": 8, "minute": 7}
